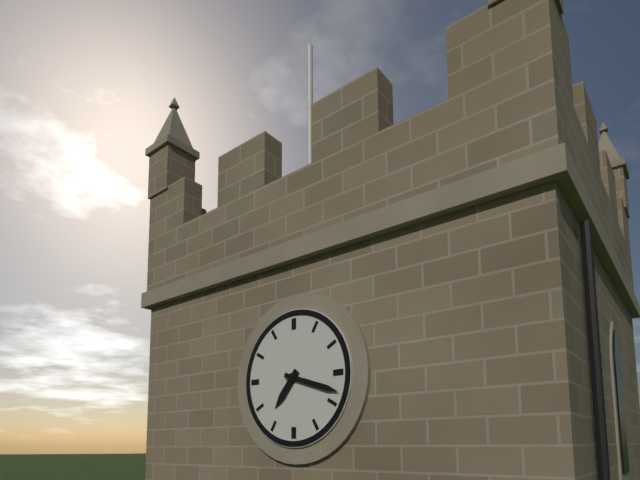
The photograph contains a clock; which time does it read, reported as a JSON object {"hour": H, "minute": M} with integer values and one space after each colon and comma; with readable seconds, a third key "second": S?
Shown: {"hour": 7, "minute": 18}
